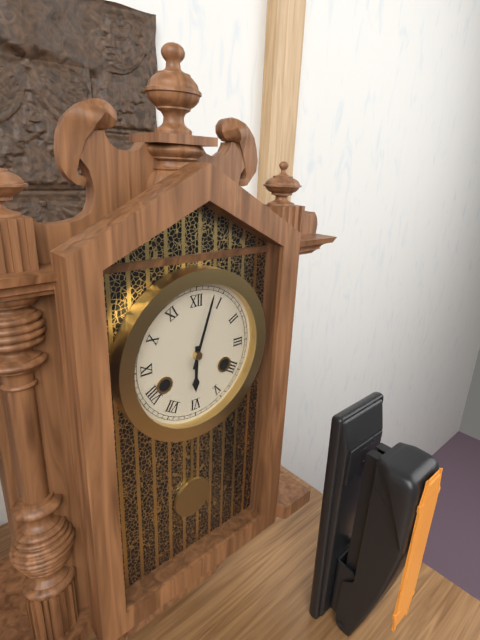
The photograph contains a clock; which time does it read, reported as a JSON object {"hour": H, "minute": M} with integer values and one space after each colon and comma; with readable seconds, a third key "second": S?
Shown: {"hour": 6, "minute": 3}
